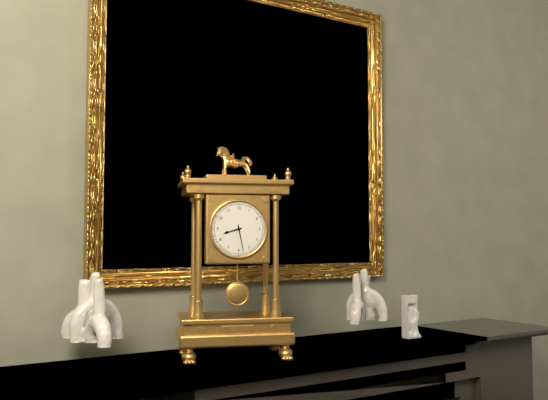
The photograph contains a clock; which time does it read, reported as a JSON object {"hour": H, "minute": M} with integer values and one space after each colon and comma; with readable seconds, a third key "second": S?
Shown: {"hour": 8, "minute": 28}
